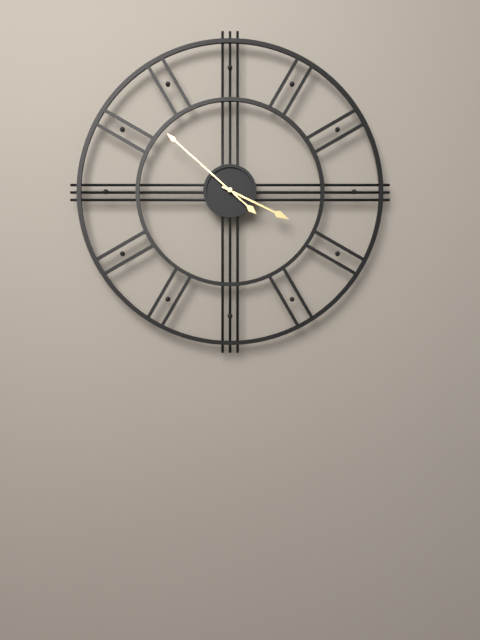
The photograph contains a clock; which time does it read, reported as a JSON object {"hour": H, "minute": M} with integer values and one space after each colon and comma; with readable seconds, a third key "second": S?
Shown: {"hour": 3, "minute": 52}
